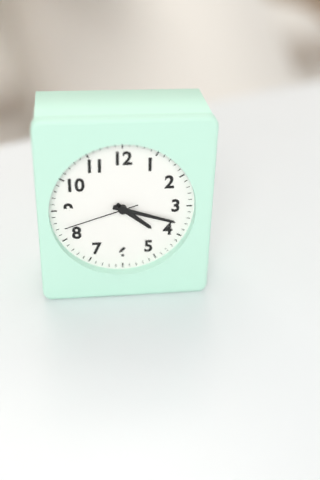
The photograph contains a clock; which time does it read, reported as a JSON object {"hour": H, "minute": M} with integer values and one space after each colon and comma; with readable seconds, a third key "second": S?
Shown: {"hour": 4, "minute": 18, "second": 42}
